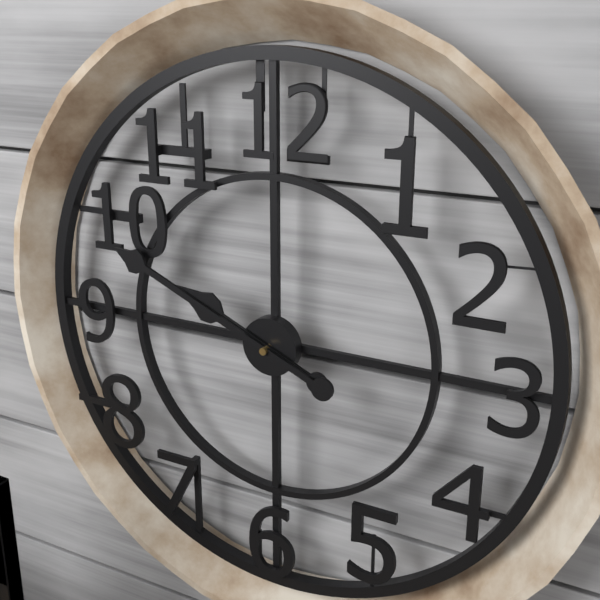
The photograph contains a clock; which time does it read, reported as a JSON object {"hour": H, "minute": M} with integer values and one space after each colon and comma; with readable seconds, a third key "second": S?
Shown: {"hour": 9, "minute": 49}
